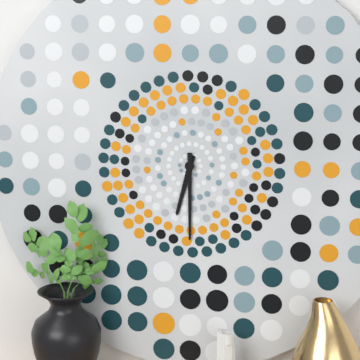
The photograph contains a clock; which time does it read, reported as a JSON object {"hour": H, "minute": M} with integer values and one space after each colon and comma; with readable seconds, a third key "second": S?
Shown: {"hour": 6, "minute": 30}
